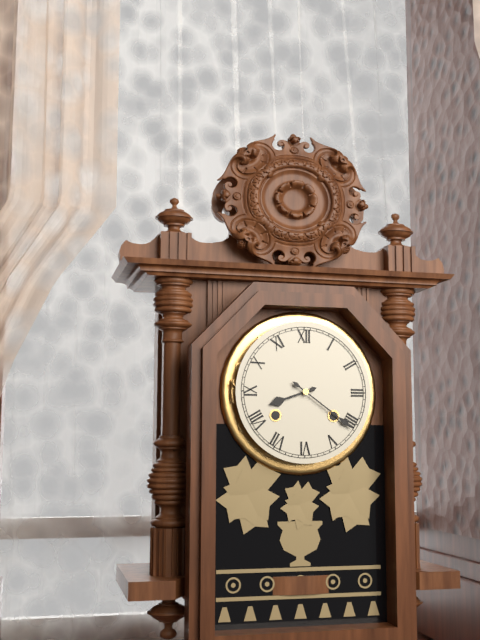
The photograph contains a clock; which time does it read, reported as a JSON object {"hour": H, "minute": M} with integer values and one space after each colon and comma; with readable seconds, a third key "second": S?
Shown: {"hour": 8, "minute": 21}
